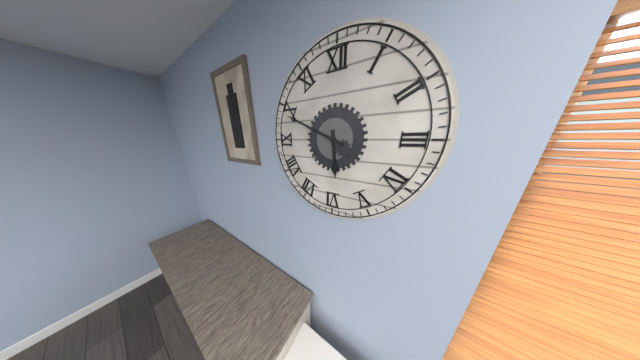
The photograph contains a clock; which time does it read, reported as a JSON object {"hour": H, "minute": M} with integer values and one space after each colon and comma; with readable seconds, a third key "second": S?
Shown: {"hour": 5, "minute": 49}
